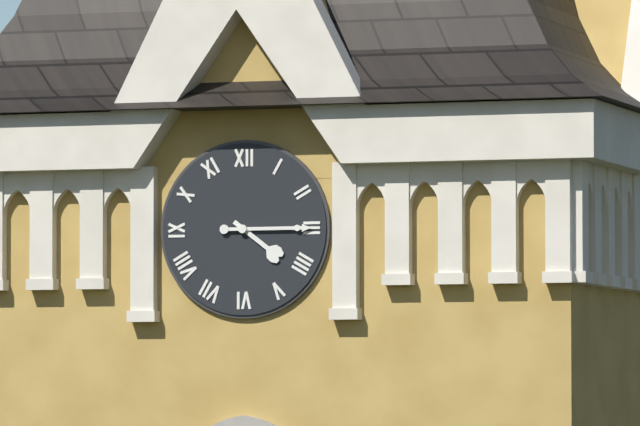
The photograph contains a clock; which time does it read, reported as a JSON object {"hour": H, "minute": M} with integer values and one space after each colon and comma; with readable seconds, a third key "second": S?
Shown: {"hour": 4, "minute": 15}
